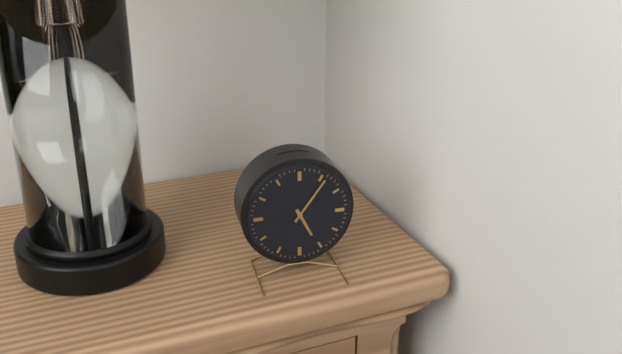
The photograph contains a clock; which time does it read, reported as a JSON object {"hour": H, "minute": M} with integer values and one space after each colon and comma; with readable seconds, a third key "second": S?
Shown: {"hour": 5, "minute": 6}
